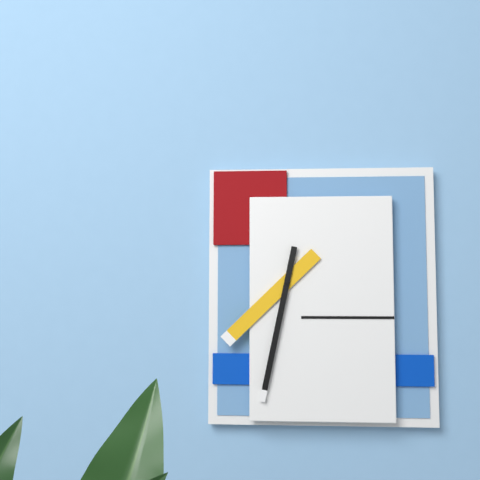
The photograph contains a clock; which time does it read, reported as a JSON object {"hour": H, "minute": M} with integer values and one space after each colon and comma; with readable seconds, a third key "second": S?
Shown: {"hour": 7, "minute": 32}
